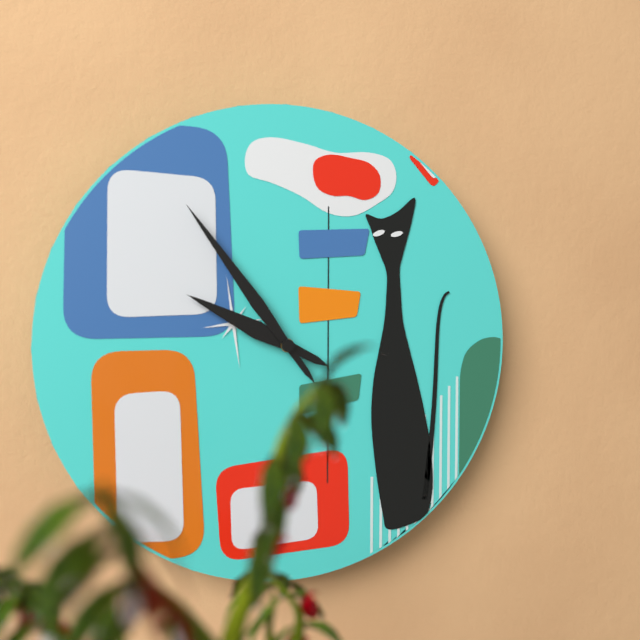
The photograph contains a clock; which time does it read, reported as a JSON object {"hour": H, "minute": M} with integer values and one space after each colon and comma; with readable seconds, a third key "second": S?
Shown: {"hour": 9, "minute": 54}
